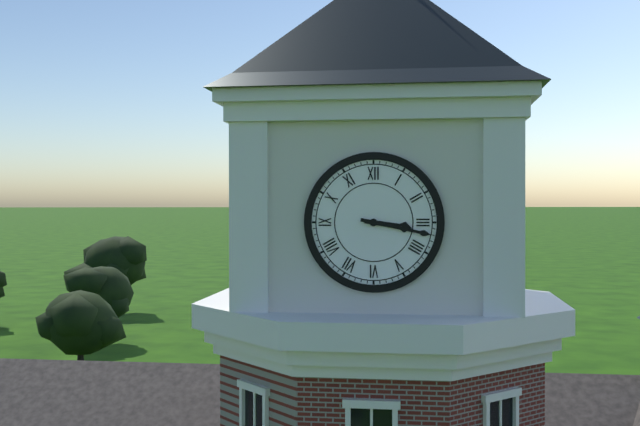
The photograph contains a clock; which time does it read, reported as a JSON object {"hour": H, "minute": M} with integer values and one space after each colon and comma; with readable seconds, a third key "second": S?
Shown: {"hour": 3, "minute": 17}
